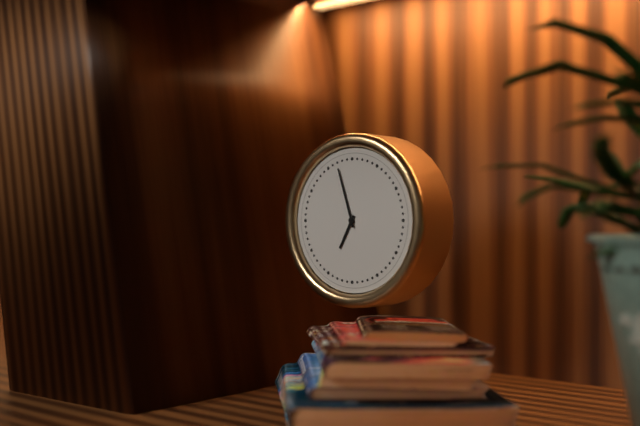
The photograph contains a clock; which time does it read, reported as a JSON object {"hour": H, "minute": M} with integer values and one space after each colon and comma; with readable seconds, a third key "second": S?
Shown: {"hour": 6, "minute": 57}
